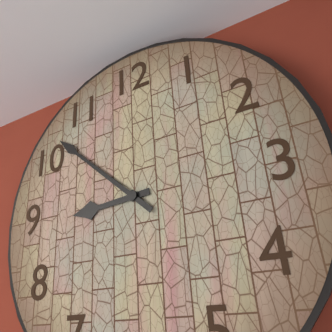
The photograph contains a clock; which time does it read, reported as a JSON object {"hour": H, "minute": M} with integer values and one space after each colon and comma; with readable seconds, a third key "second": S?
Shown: {"hour": 8, "minute": 52}
